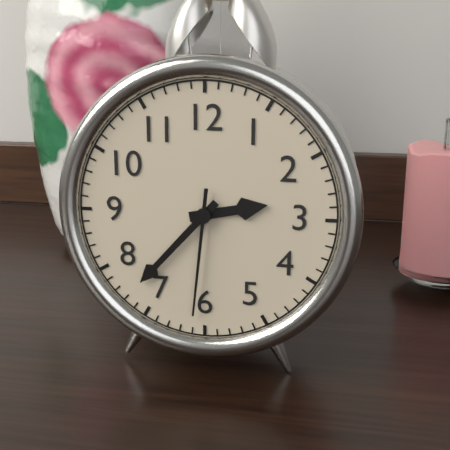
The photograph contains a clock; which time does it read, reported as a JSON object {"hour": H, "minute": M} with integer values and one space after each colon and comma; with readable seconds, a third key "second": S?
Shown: {"hour": 2, "minute": 37, "second": 31}
